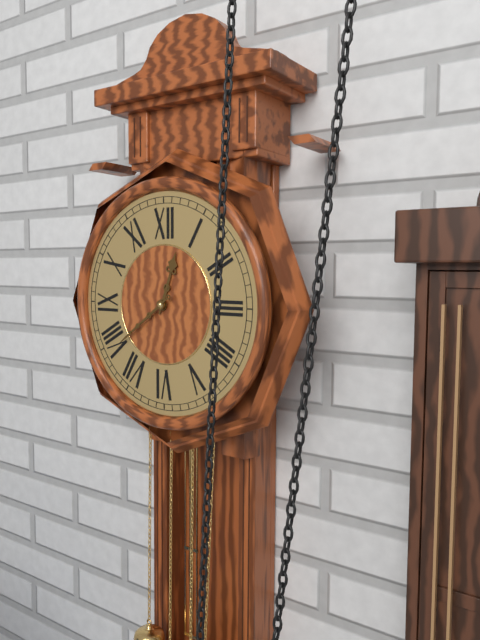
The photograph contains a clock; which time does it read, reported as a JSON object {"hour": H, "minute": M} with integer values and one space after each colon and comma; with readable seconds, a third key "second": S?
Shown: {"hour": 12, "minute": 39}
